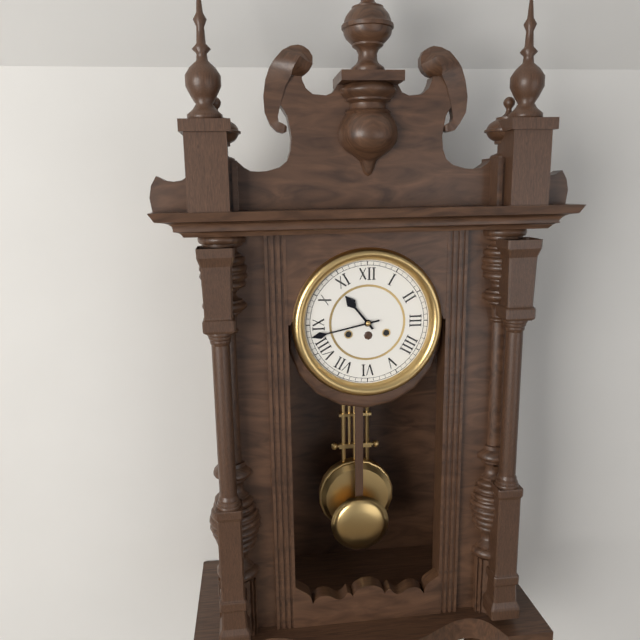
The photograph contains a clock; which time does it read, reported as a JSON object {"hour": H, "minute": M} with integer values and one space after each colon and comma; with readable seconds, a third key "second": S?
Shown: {"hour": 10, "minute": 43}
